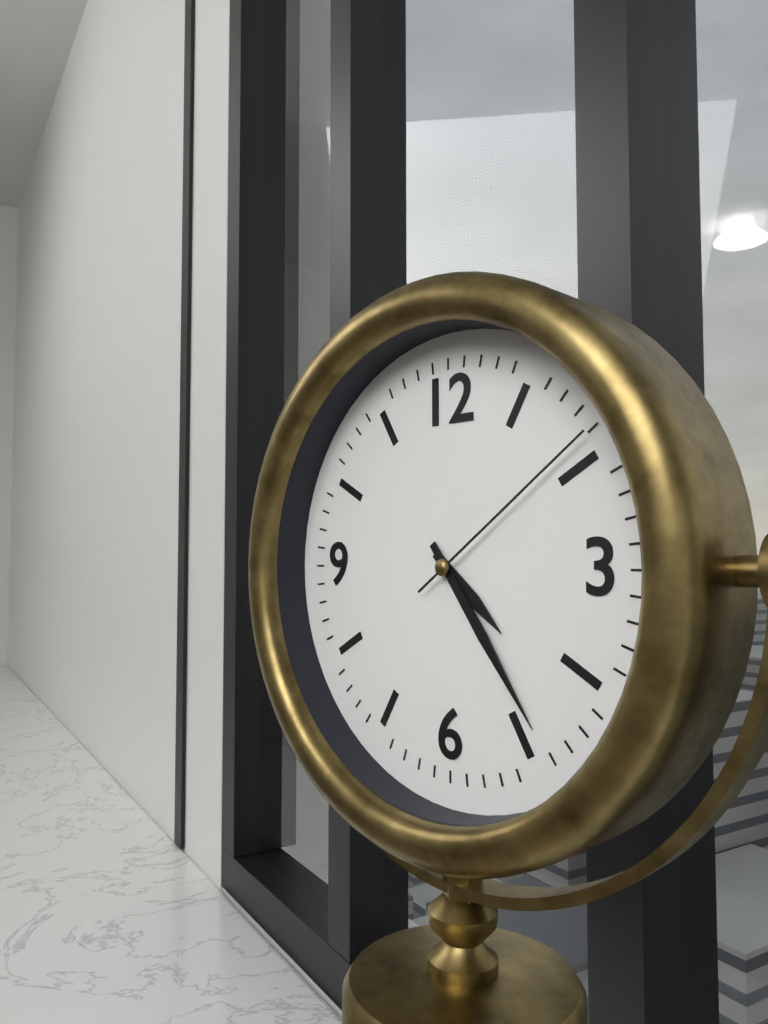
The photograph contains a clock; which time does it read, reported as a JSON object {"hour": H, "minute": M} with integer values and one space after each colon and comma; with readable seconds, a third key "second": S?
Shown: {"hour": 4, "minute": 24, "second": 9}
